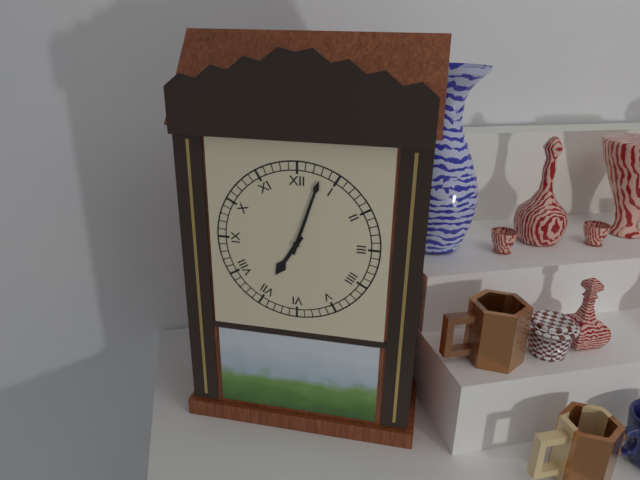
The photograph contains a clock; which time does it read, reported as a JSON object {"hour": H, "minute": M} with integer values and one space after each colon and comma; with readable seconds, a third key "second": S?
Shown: {"hour": 7, "minute": 3}
